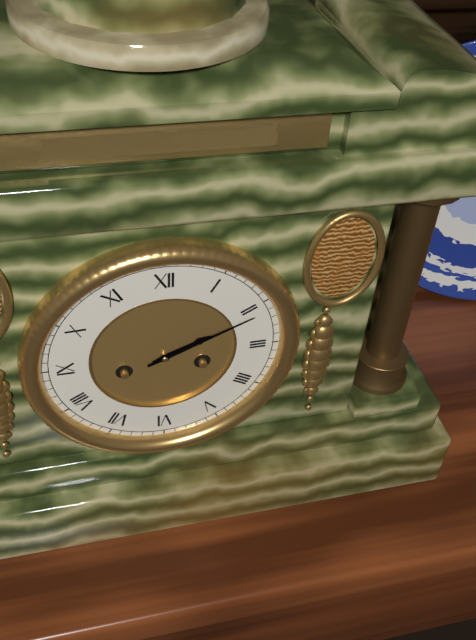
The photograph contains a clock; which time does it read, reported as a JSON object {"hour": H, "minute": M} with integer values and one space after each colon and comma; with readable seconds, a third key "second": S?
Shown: {"hour": 2, "minute": 11}
